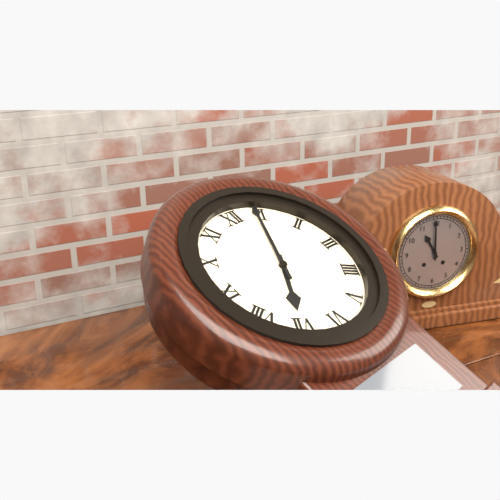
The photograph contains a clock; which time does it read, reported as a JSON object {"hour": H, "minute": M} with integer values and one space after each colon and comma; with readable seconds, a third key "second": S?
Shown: {"hour": 7, "minute": 4}
